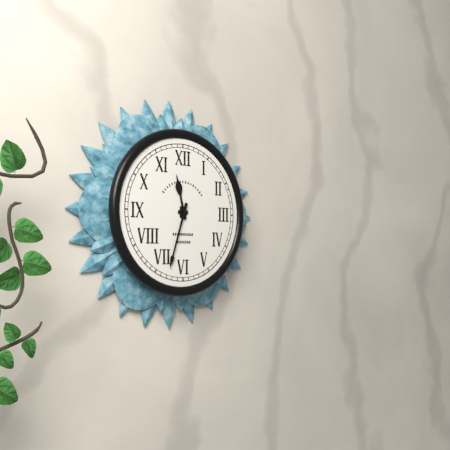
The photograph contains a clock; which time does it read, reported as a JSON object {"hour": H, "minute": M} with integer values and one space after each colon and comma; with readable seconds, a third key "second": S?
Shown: {"hour": 11, "minute": 33}
